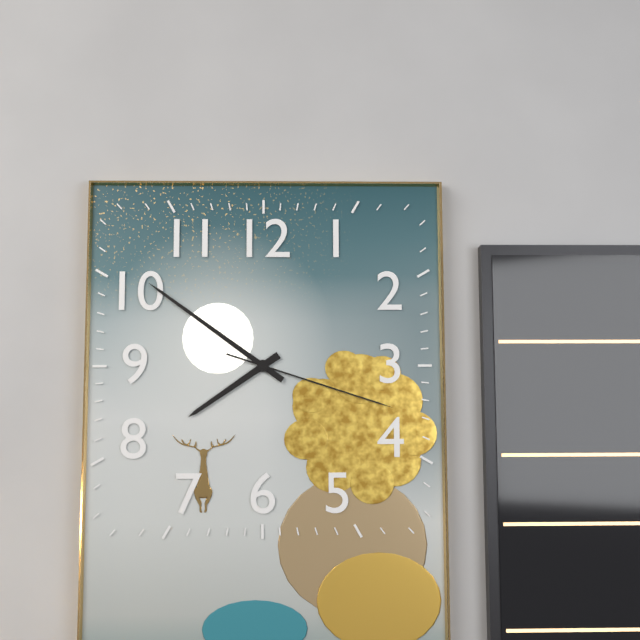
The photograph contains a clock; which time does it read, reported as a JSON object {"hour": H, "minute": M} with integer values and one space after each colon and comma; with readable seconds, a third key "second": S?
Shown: {"hour": 7, "minute": 51, "second": 18}
